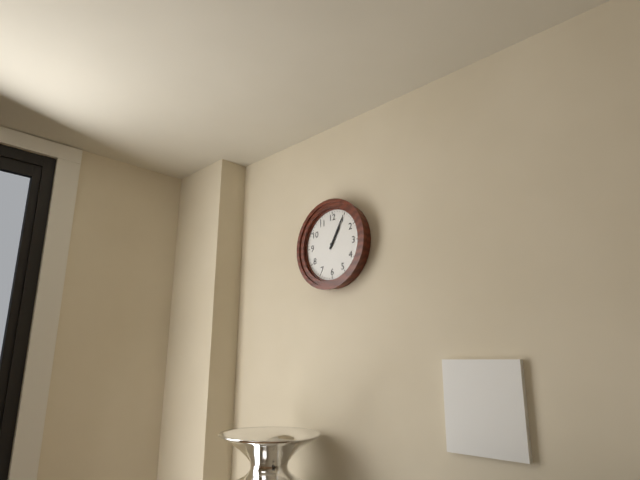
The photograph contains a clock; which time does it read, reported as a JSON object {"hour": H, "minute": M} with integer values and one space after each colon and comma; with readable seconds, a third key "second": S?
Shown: {"hour": 1, "minute": 5}
